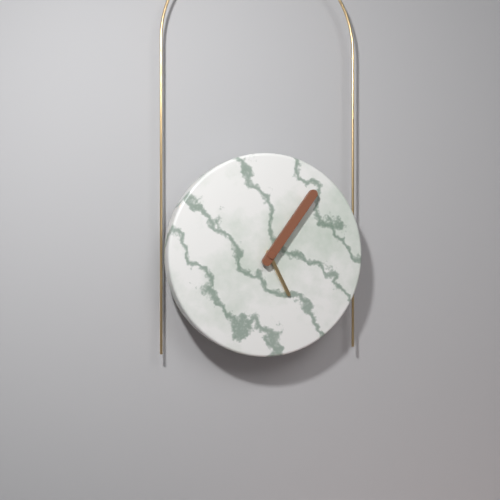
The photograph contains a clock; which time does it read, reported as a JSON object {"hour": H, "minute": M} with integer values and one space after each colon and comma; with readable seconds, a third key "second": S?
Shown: {"hour": 5, "minute": 6}
